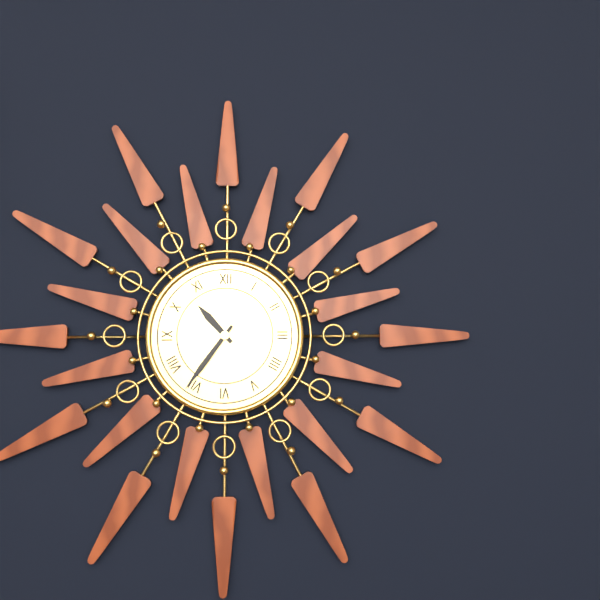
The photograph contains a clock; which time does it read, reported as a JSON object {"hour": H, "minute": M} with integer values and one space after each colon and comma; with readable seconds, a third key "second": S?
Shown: {"hour": 10, "minute": 36}
